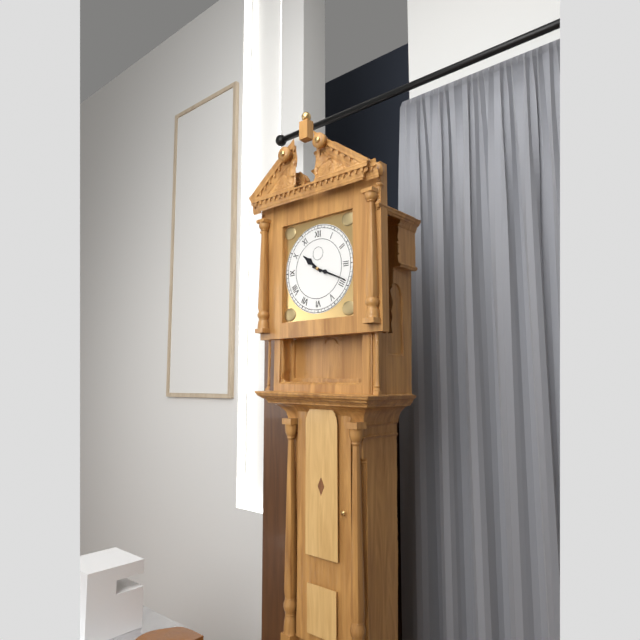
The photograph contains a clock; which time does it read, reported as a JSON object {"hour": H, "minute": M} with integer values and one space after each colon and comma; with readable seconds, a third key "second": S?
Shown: {"hour": 10, "minute": 19}
